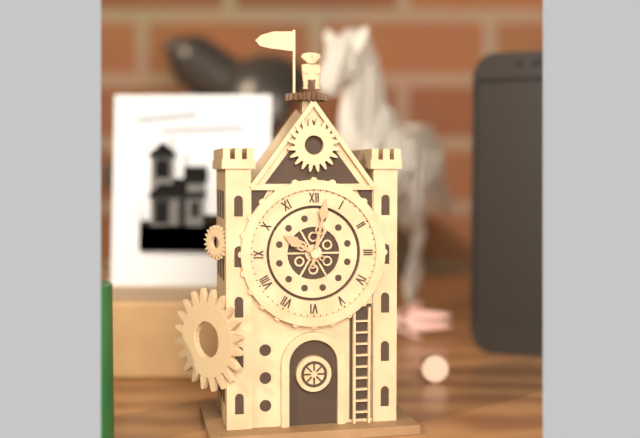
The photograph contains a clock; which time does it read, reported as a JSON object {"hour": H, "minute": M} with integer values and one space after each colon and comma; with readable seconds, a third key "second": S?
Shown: {"hour": 10, "minute": 2}
